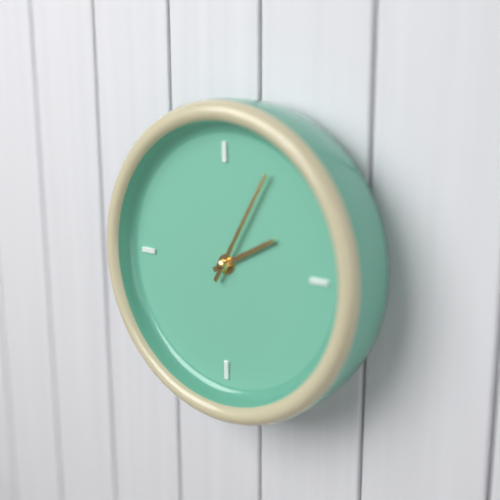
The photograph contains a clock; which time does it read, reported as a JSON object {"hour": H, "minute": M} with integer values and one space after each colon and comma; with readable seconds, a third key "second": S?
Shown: {"hour": 2, "minute": 5}
